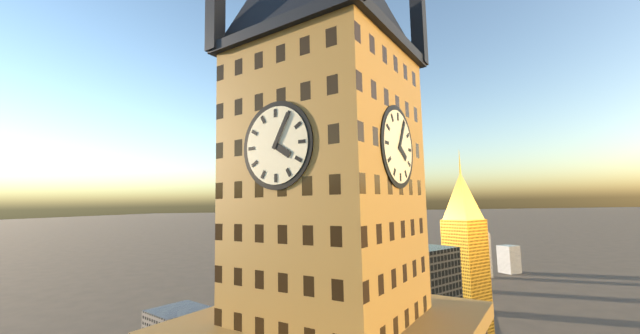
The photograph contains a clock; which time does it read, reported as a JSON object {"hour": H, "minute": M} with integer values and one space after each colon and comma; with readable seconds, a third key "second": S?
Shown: {"hour": 4, "minute": 5}
